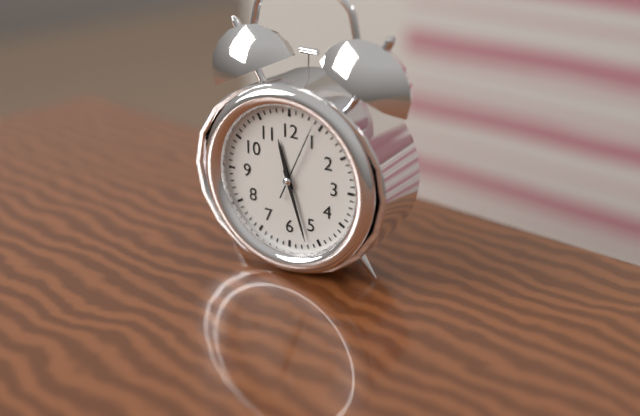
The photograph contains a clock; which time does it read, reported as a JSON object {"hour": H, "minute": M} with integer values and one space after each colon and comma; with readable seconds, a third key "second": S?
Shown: {"hour": 11, "minute": 27, "second": 4}
